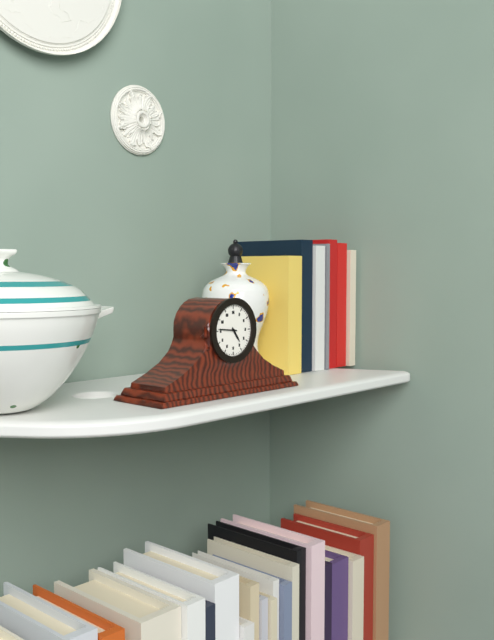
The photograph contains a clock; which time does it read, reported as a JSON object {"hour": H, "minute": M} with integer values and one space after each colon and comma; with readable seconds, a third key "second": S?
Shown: {"hour": 4, "minute": 46}
